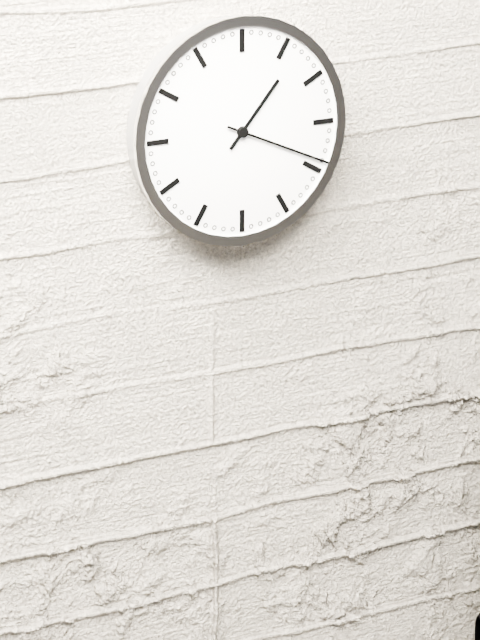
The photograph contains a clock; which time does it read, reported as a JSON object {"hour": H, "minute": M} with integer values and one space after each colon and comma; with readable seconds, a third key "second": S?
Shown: {"hour": 1, "minute": 19}
